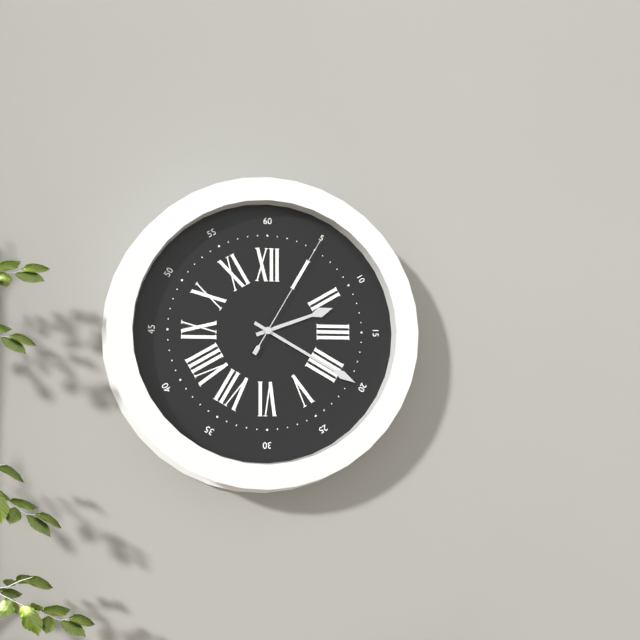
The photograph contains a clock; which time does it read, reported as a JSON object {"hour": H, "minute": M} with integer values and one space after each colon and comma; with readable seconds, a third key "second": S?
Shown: {"hour": 2, "minute": 20, "second": 5}
